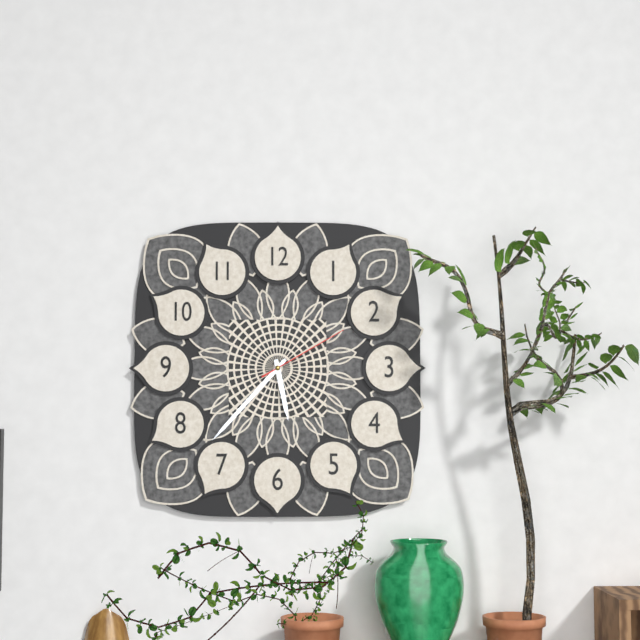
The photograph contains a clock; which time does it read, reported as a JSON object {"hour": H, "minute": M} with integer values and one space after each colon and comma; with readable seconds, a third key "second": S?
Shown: {"hour": 5, "minute": 37, "second": 10}
